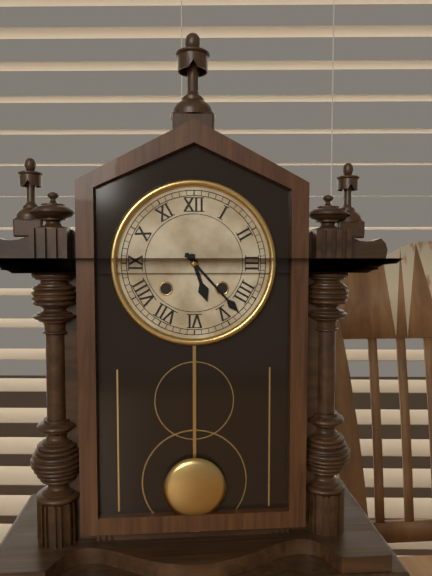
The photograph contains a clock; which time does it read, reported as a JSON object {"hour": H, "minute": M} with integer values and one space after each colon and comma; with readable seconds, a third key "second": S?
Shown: {"hour": 5, "minute": 23}
